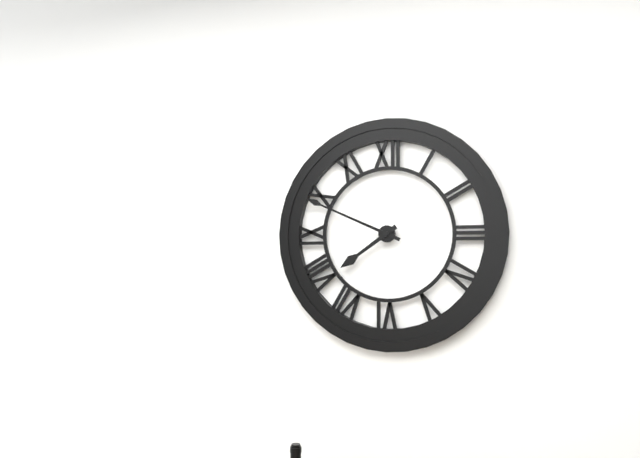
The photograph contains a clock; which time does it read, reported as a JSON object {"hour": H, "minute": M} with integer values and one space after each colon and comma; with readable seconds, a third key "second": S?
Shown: {"hour": 7, "minute": 49}
